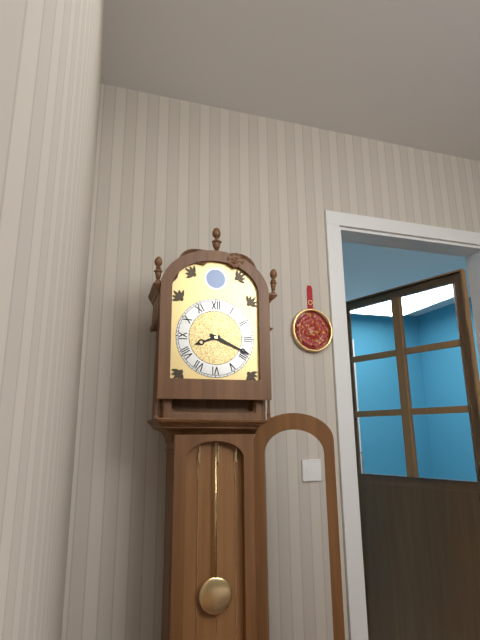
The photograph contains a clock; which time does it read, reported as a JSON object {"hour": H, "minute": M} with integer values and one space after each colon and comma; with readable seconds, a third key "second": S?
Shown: {"hour": 8, "minute": 19}
